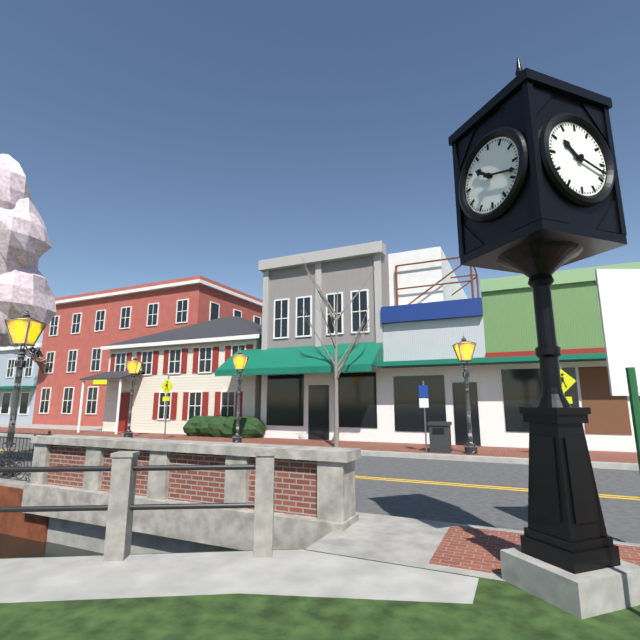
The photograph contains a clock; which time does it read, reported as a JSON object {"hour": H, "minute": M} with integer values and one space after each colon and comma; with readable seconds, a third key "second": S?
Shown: {"hour": 10, "minute": 18}
